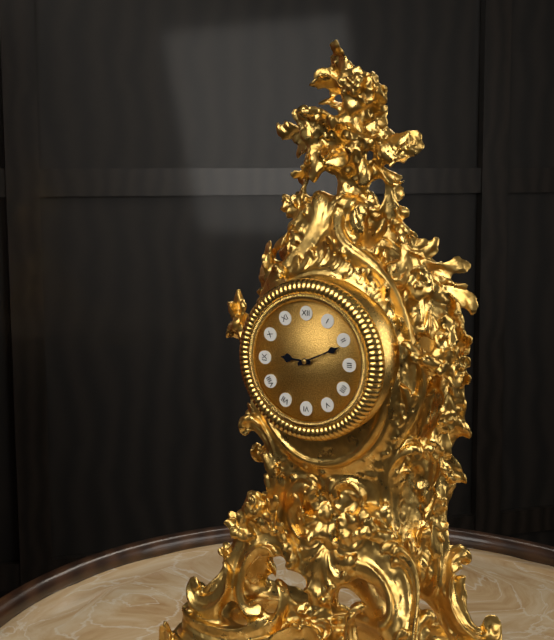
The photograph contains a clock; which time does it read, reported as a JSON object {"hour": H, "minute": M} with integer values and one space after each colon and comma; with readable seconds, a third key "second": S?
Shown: {"hour": 9, "minute": 11}
